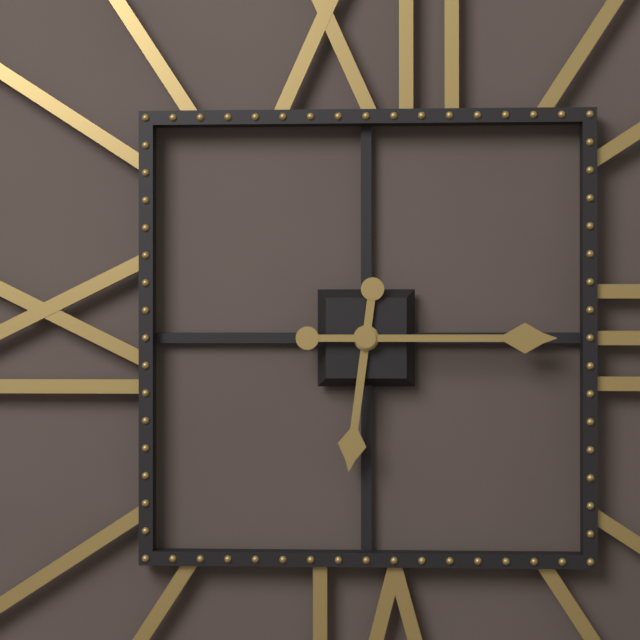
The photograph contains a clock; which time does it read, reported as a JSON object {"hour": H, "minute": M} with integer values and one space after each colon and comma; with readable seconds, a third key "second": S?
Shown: {"hour": 6, "minute": 15}
